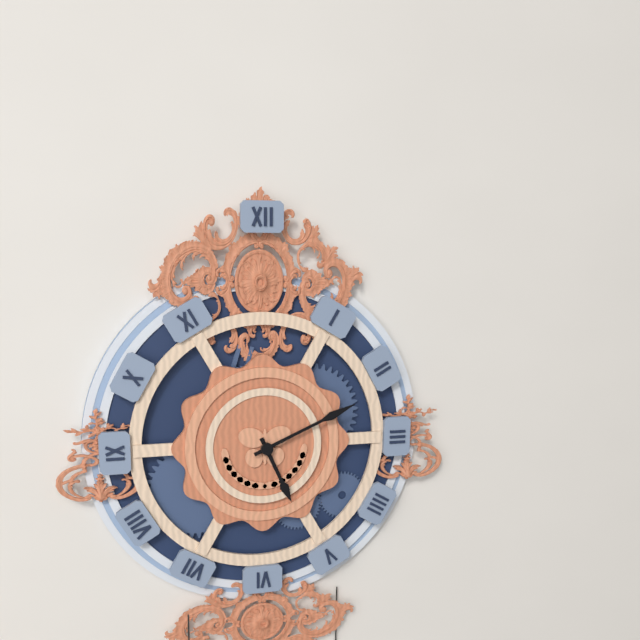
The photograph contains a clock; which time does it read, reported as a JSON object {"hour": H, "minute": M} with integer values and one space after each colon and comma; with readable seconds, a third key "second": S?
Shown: {"hour": 5, "minute": 11}
